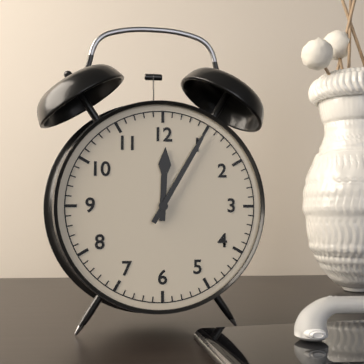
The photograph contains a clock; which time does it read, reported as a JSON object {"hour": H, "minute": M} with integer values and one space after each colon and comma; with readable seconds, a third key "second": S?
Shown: {"hour": 12, "minute": 5}
